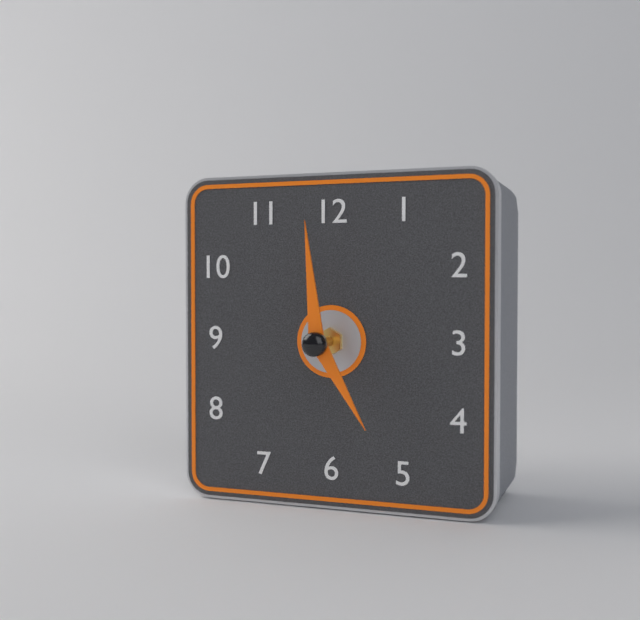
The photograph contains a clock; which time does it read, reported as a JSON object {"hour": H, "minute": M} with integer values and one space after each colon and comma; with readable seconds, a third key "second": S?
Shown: {"hour": 4, "minute": 59}
